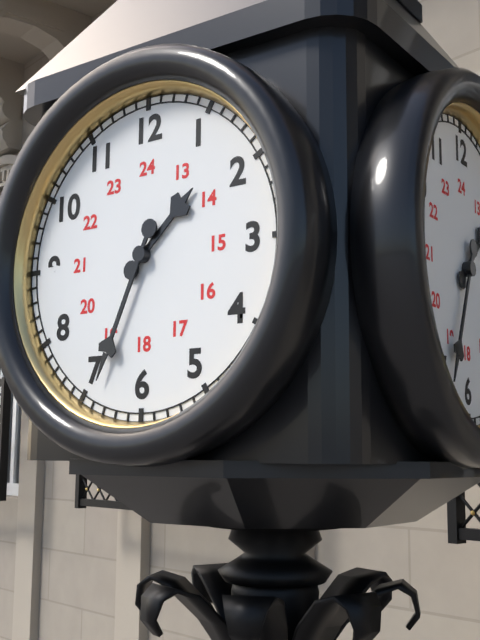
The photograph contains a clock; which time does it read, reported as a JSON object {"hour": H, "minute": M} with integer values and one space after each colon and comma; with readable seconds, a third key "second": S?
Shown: {"hour": 1, "minute": 34}
